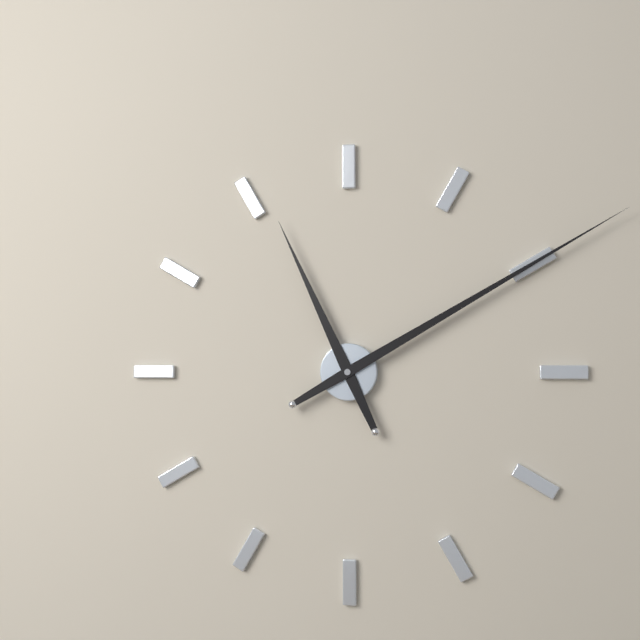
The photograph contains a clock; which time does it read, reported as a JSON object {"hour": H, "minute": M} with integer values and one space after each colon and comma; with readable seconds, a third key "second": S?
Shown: {"hour": 11, "minute": 10}
